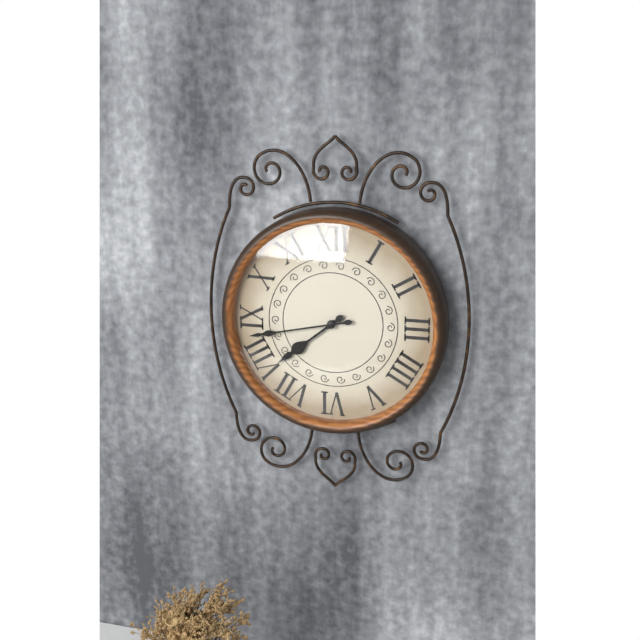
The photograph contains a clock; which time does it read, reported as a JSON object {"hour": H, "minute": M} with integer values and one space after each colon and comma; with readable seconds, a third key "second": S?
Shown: {"hour": 7, "minute": 43}
